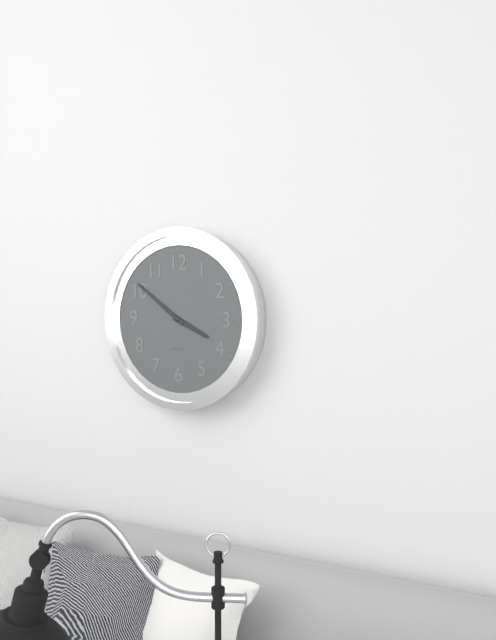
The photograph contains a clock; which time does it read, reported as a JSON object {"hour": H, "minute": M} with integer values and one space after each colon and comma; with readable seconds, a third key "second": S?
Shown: {"hour": 3, "minute": 51}
